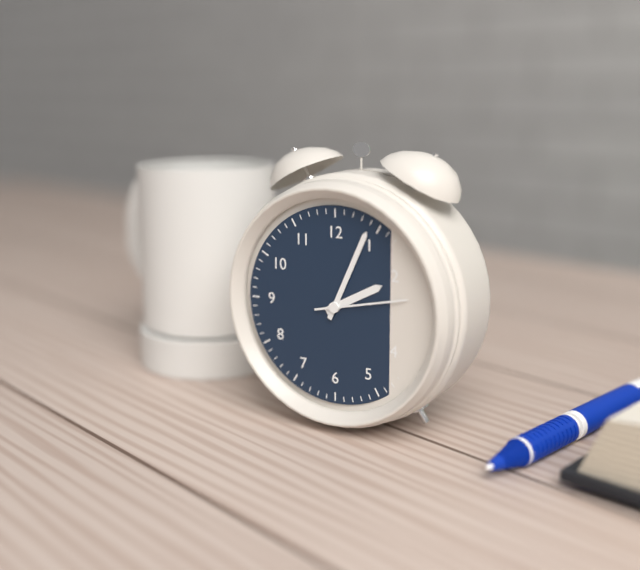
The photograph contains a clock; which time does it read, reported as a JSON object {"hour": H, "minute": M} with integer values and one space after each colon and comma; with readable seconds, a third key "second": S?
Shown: {"hour": 2, "minute": 4, "second": 13}
